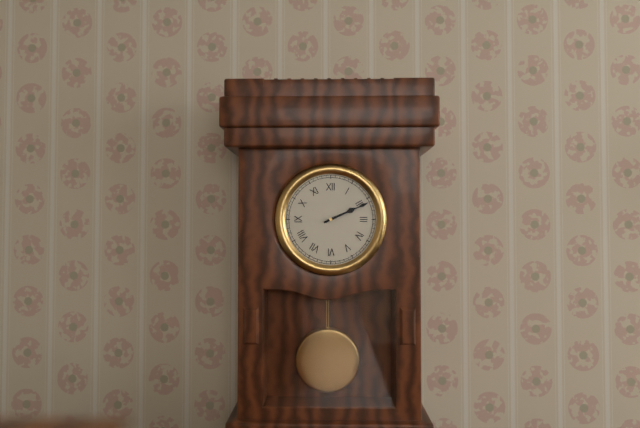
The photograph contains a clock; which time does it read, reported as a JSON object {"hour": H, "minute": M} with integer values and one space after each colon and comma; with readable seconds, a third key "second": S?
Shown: {"hour": 2, "minute": 11}
